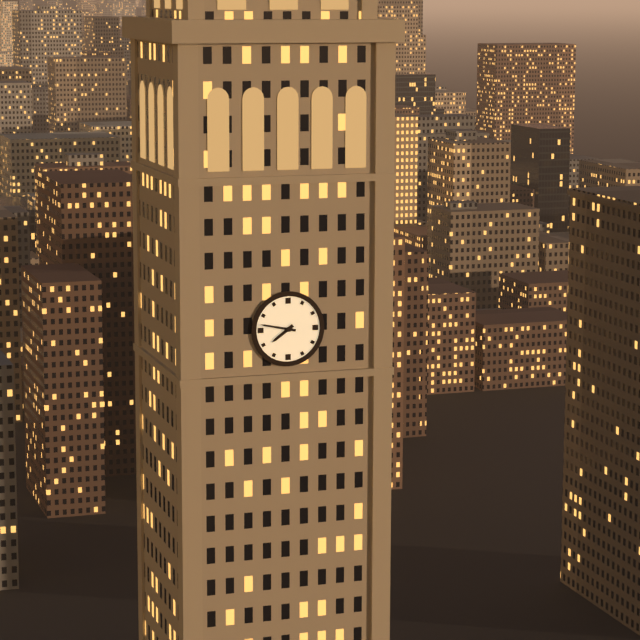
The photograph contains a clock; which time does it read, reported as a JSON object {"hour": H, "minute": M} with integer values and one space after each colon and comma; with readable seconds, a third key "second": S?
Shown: {"hour": 7, "minute": 47}
